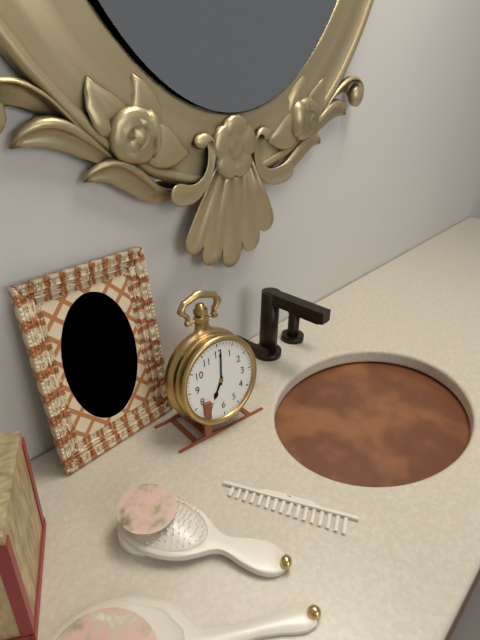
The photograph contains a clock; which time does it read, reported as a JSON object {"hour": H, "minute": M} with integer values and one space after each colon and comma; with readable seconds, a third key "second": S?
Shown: {"hour": 7, "minute": 1}
